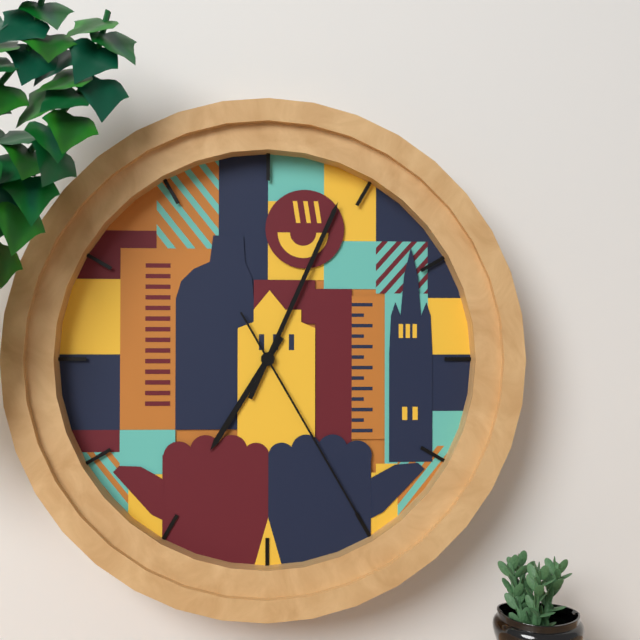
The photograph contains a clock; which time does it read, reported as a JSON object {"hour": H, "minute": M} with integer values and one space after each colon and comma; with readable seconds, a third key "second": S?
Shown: {"hour": 7, "minute": 4, "second": 25}
